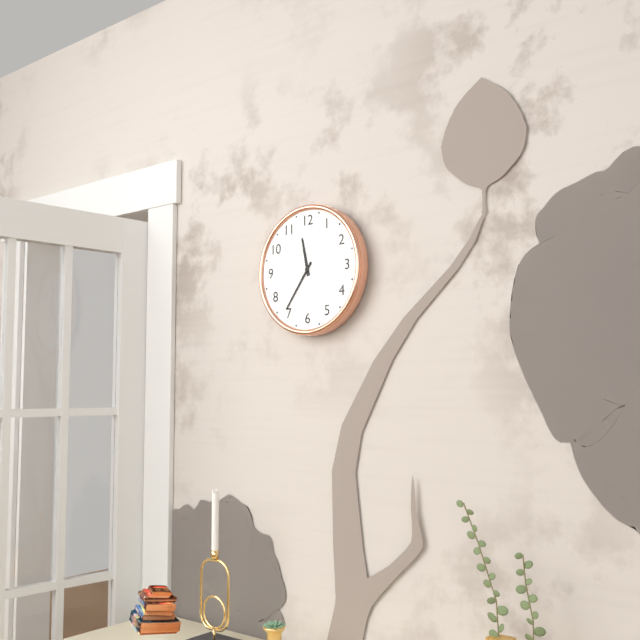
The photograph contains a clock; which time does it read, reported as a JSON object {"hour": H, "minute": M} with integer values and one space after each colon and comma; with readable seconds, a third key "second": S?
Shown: {"hour": 11, "minute": 36}
